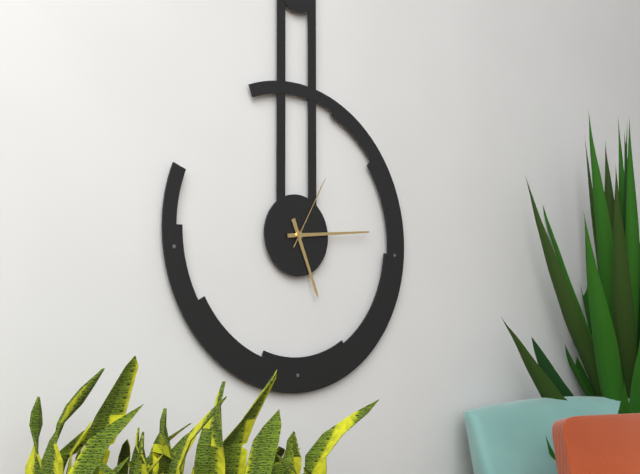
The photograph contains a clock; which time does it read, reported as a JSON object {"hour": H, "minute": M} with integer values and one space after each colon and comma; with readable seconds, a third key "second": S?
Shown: {"hour": 5, "minute": 14, "second": 5}
